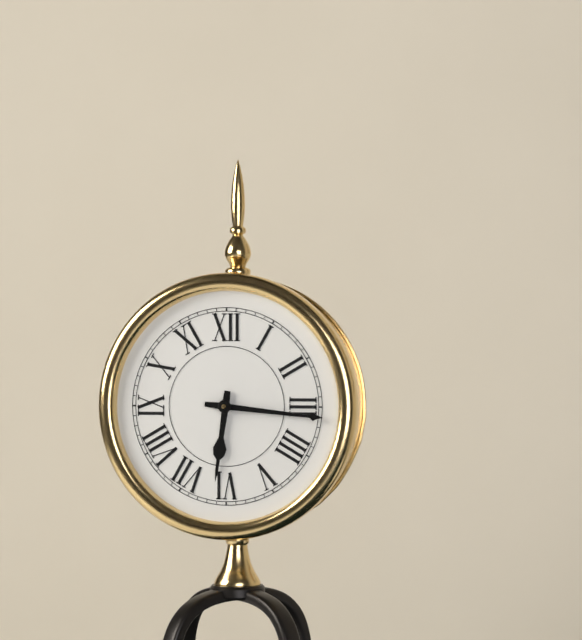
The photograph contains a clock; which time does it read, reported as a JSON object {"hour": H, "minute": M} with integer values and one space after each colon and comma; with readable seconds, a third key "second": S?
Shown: {"hour": 6, "minute": 16}
